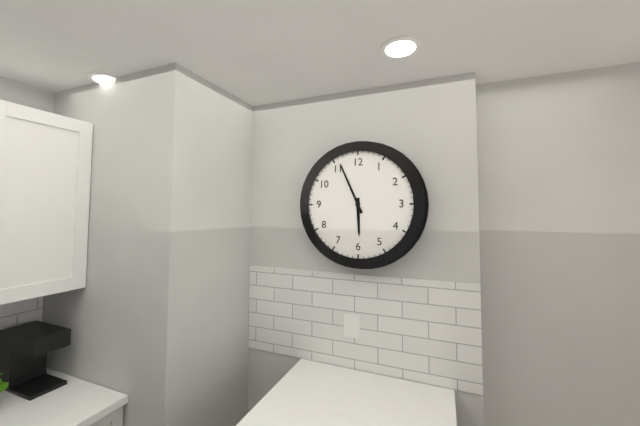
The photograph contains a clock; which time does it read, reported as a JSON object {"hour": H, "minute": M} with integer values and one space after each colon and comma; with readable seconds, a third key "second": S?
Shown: {"hour": 5, "minute": 56}
